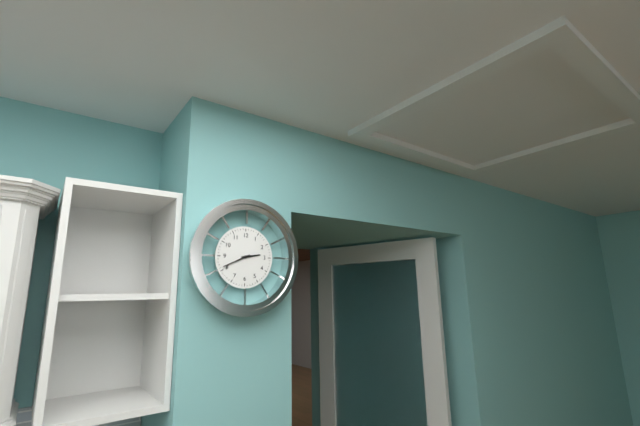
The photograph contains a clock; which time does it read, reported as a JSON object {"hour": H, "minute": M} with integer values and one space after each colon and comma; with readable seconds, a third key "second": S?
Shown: {"hour": 2, "minute": 41}
